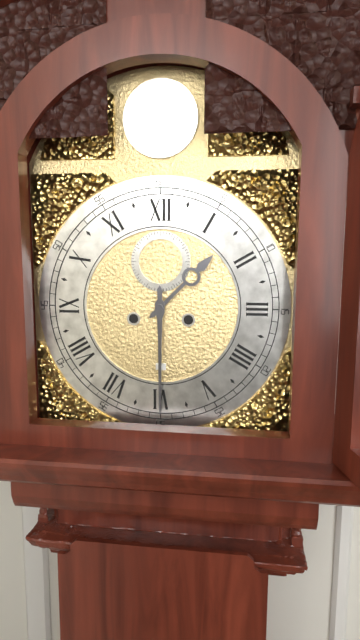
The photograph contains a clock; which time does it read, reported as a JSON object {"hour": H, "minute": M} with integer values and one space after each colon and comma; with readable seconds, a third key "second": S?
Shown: {"hour": 1, "minute": 30}
